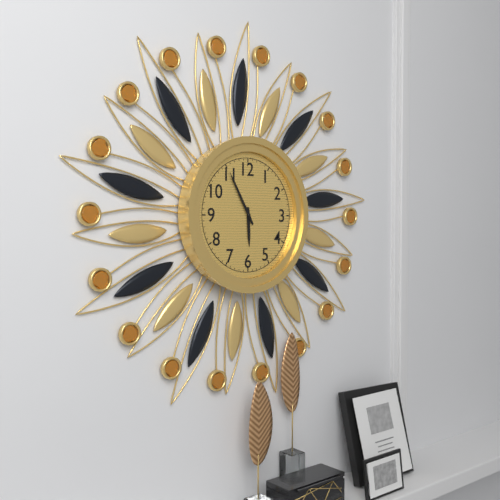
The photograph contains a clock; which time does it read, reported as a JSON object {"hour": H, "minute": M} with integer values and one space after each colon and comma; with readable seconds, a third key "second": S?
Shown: {"hour": 5, "minute": 55}
